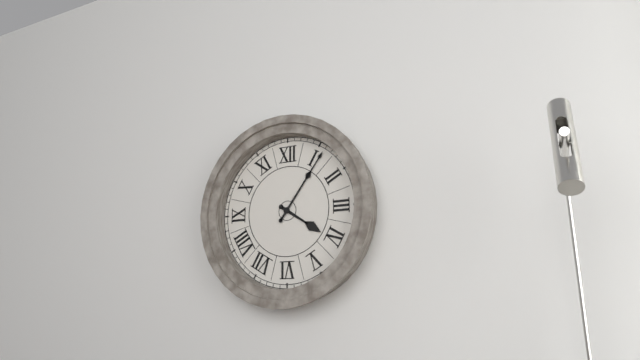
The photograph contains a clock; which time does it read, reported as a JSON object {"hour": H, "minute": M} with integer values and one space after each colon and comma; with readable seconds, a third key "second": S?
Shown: {"hour": 4, "minute": 6}
